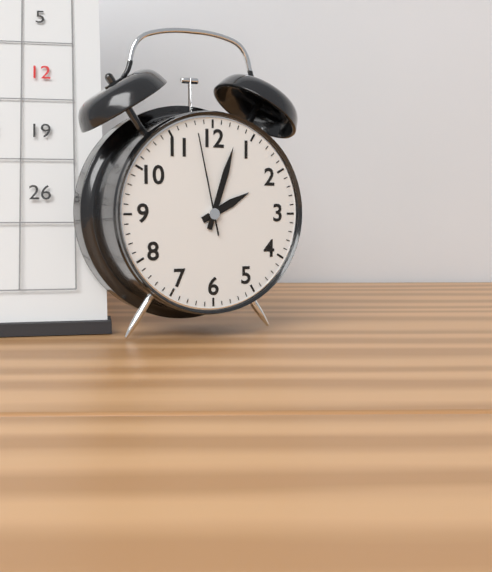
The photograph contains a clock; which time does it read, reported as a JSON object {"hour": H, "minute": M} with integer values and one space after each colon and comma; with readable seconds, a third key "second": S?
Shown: {"hour": 2, "minute": 3, "second": 58}
